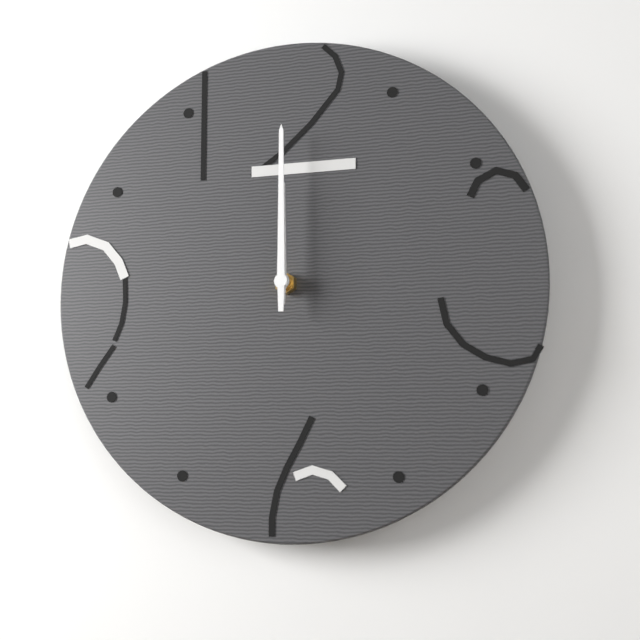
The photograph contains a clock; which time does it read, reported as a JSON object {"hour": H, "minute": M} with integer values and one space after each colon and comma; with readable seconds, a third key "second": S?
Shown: {"hour": 12, "minute": 0}
